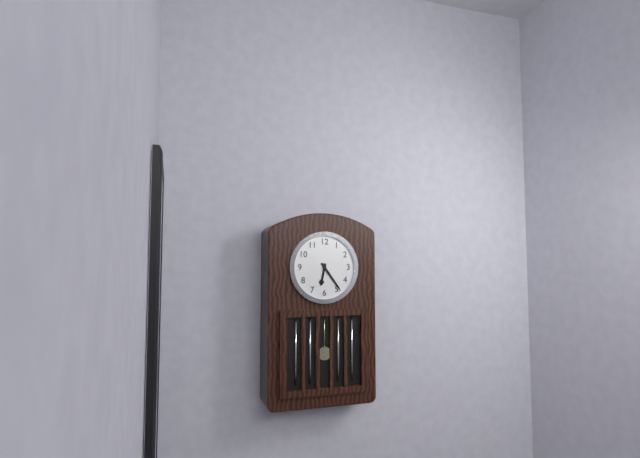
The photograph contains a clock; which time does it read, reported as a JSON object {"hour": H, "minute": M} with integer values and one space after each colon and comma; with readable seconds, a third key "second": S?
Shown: {"hour": 6, "minute": 24}
